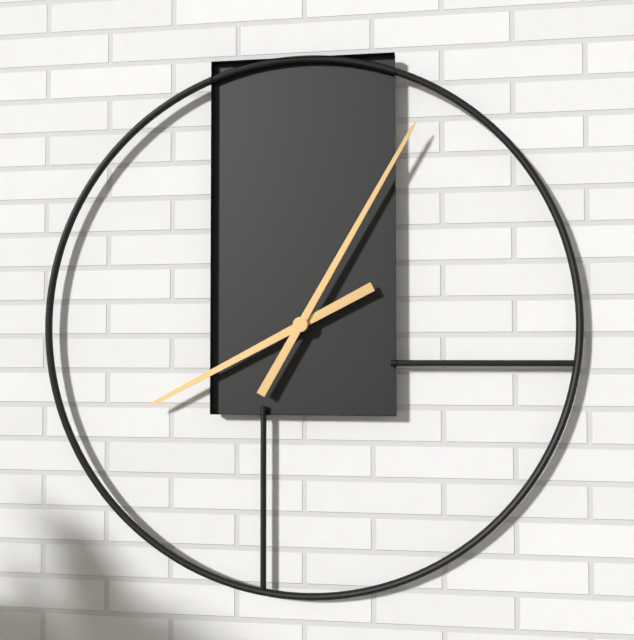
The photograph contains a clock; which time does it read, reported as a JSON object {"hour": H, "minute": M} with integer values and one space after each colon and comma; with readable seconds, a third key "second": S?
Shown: {"hour": 8, "minute": 5}
